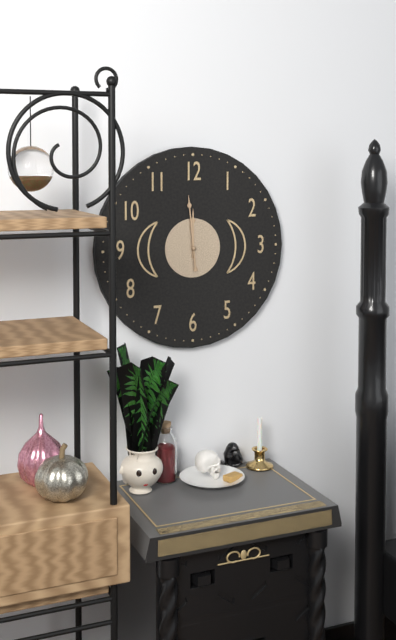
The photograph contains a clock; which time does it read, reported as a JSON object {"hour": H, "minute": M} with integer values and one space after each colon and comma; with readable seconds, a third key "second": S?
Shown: {"hour": 11, "minute": 59}
